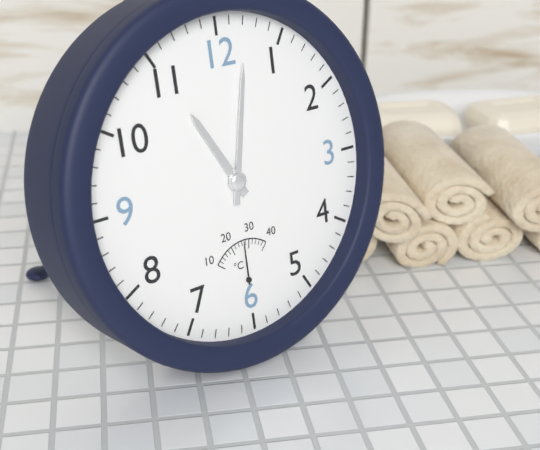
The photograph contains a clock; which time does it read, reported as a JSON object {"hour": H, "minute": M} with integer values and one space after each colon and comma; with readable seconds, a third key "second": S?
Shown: {"hour": 11, "minute": 2}
